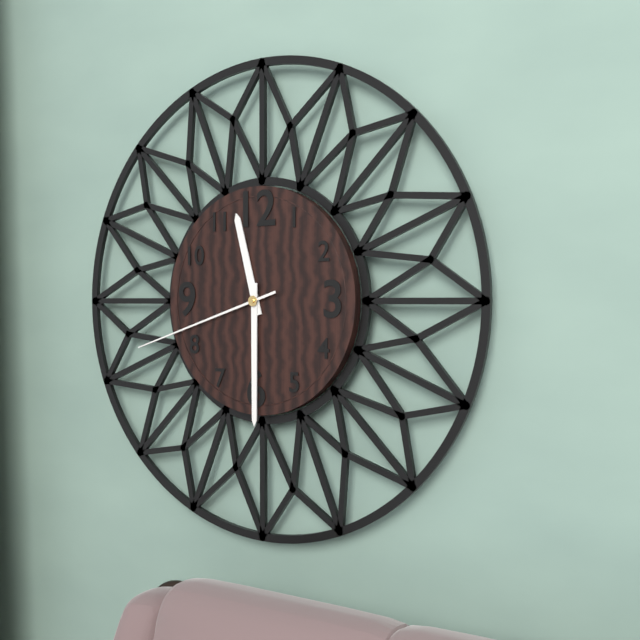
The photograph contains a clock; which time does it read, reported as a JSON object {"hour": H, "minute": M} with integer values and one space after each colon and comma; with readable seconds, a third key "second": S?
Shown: {"hour": 11, "minute": 30, "second": 42}
